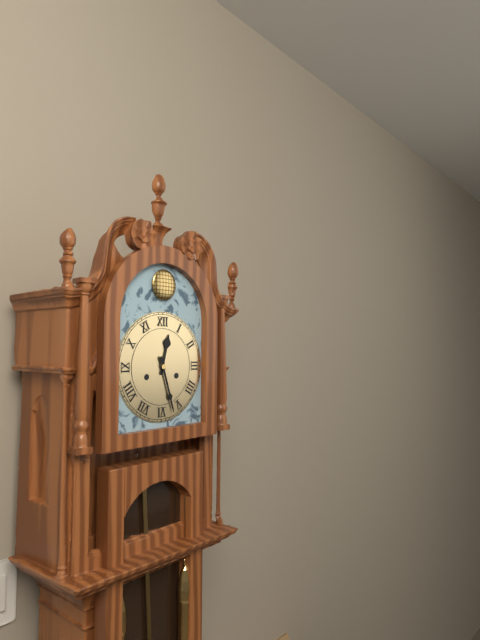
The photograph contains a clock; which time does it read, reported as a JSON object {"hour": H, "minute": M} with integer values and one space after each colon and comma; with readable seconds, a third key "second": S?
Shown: {"hour": 12, "minute": 27}
